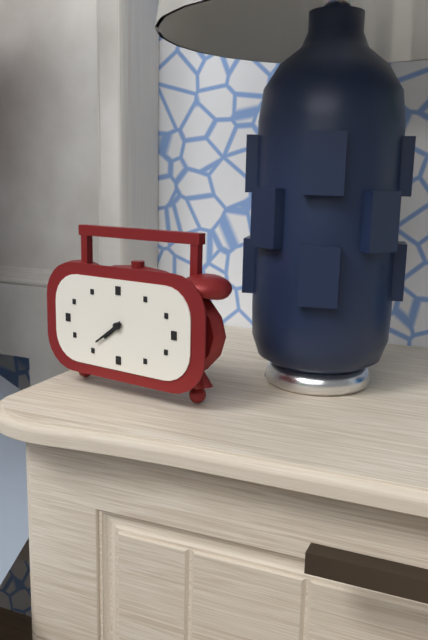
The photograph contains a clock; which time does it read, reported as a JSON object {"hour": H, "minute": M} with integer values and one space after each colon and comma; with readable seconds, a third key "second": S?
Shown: {"hour": 7, "minute": 39}
